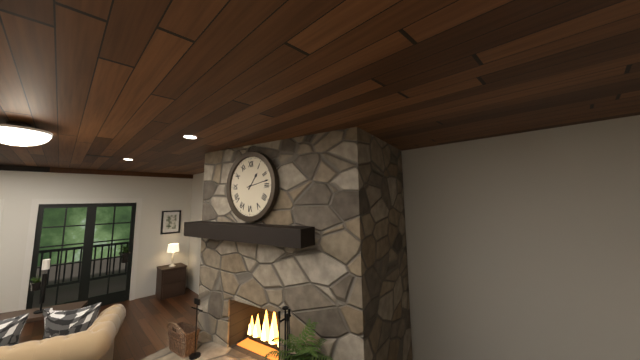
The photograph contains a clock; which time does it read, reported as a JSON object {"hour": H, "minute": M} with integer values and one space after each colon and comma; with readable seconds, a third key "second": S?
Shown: {"hour": 1, "minute": 13}
